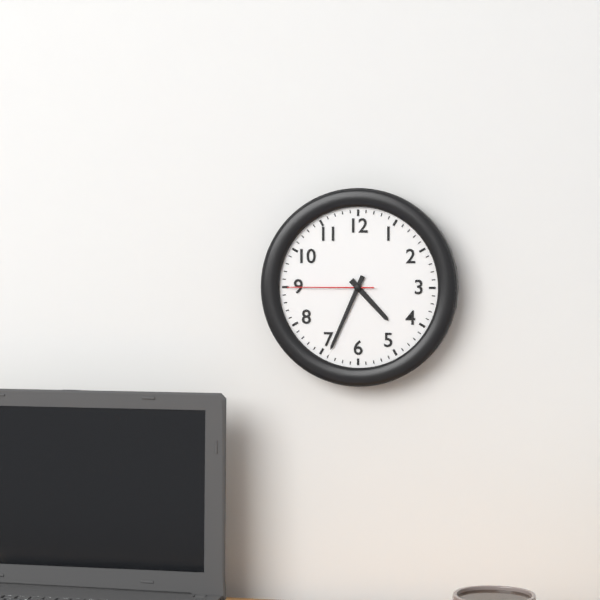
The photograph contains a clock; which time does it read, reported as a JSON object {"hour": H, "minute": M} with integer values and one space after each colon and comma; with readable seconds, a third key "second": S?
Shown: {"hour": 4, "minute": 34, "second": 45}
